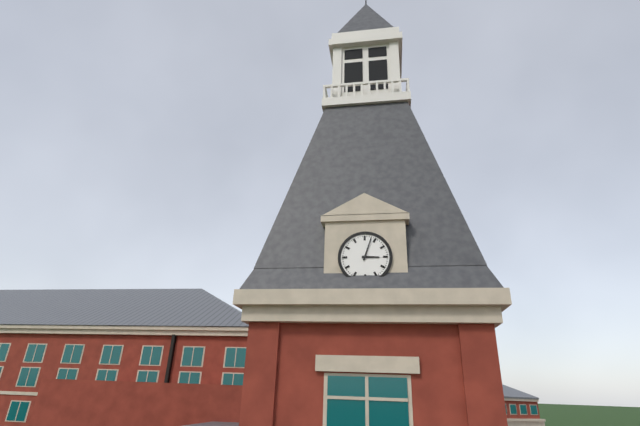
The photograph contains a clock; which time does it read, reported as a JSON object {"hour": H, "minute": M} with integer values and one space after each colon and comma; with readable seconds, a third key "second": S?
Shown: {"hour": 3, "minute": 3}
